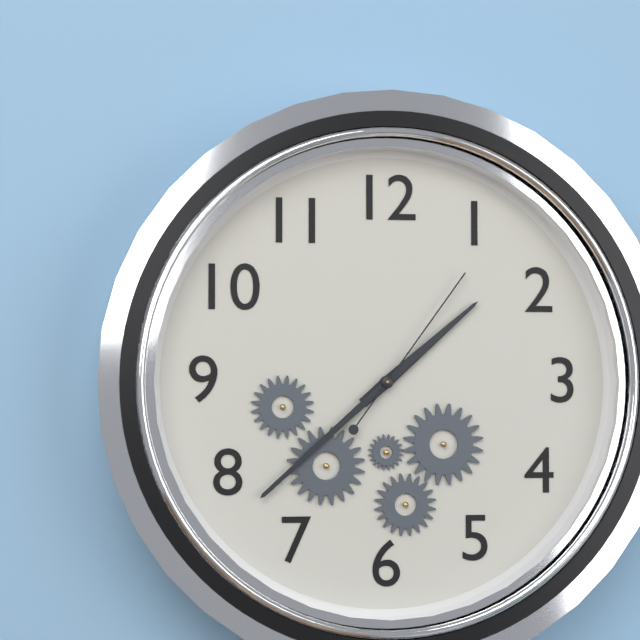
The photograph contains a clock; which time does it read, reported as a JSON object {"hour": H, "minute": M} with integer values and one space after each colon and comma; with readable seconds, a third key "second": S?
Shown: {"hour": 1, "minute": 38, "second": 6}
